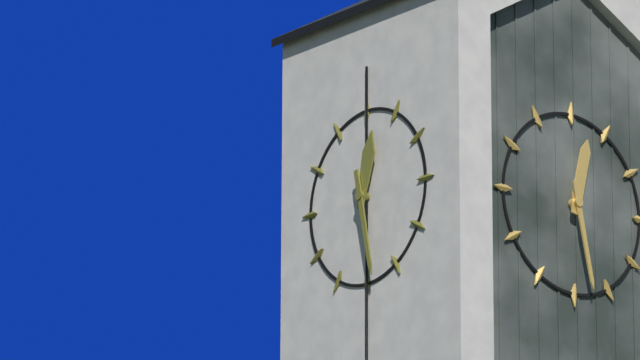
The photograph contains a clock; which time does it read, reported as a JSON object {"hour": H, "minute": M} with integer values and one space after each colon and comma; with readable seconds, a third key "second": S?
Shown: {"hour": 12, "minute": 28}
